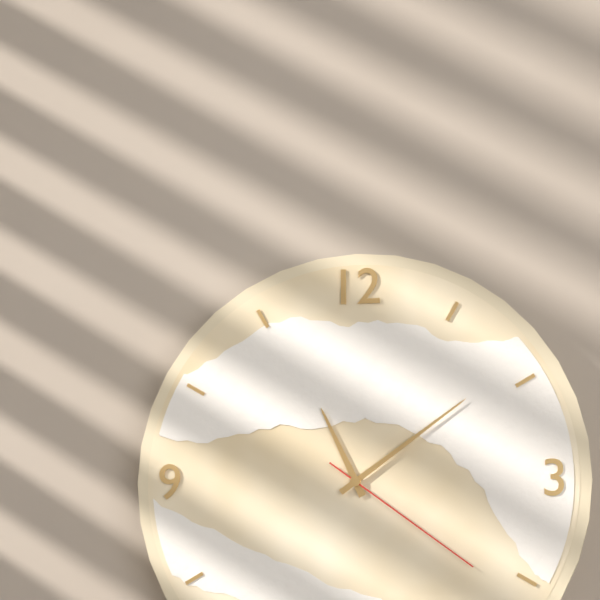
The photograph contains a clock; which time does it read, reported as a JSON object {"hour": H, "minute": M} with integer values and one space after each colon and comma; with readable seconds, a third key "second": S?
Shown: {"hour": 11, "minute": 9, "second": 21}
